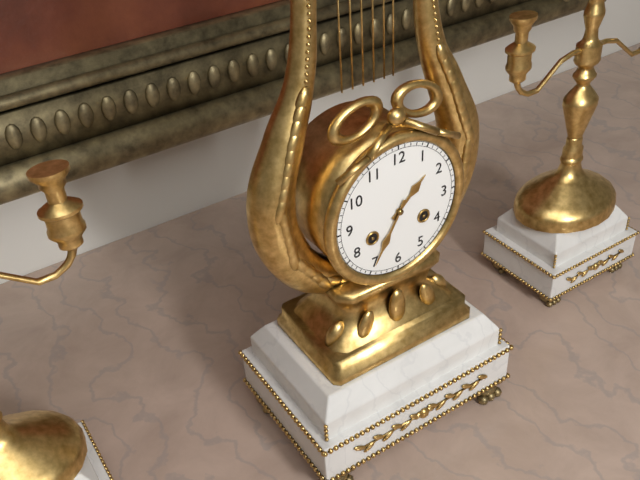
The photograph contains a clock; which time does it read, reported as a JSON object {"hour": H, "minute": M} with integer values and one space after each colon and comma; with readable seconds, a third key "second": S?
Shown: {"hour": 1, "minute": 35}
